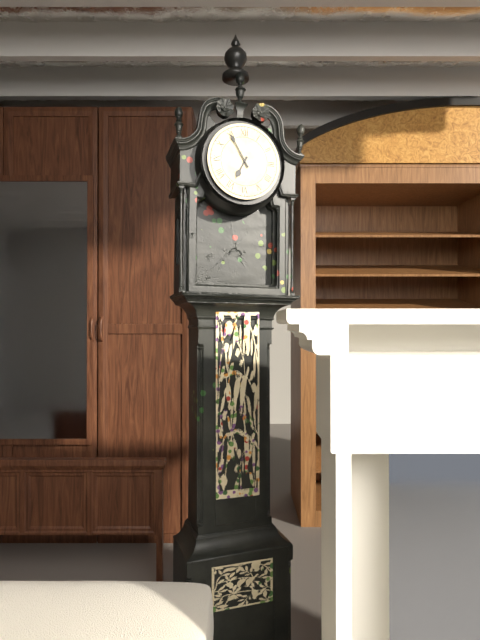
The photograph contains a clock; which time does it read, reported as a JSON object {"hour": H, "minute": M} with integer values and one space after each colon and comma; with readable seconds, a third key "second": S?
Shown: {"hour": 6, "minute": 55}
